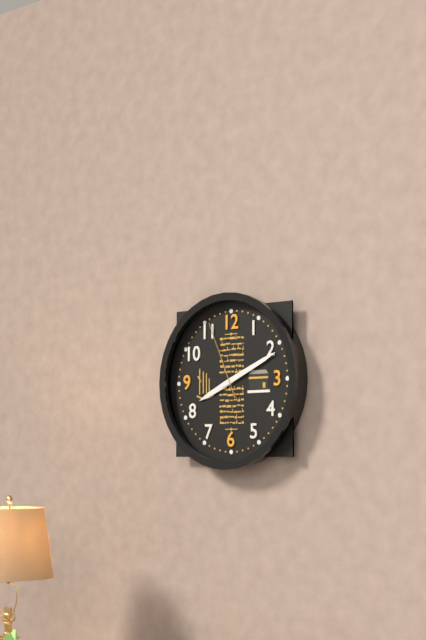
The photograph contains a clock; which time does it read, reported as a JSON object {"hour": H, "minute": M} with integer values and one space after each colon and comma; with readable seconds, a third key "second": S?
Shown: {"hour": 8, "minute": 11, "second": 56}
